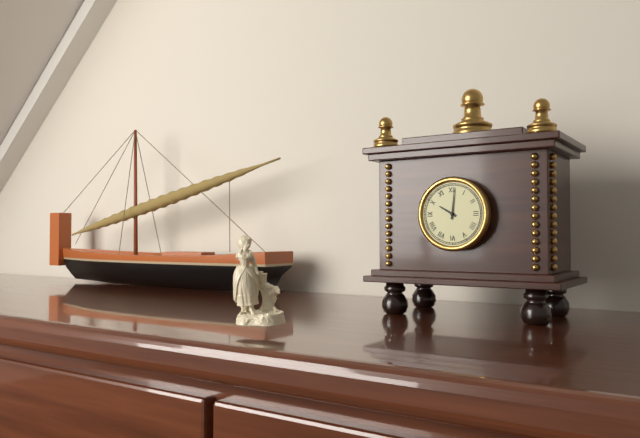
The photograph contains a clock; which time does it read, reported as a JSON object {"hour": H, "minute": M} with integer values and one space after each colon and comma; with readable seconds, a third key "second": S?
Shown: {"hour": 10, "minute": 1}
